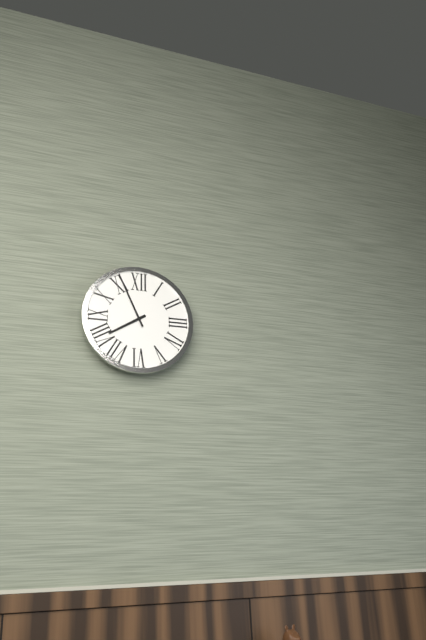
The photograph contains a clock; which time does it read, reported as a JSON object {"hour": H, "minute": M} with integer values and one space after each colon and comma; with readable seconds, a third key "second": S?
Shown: {"hour": 7, "minute": 56}
